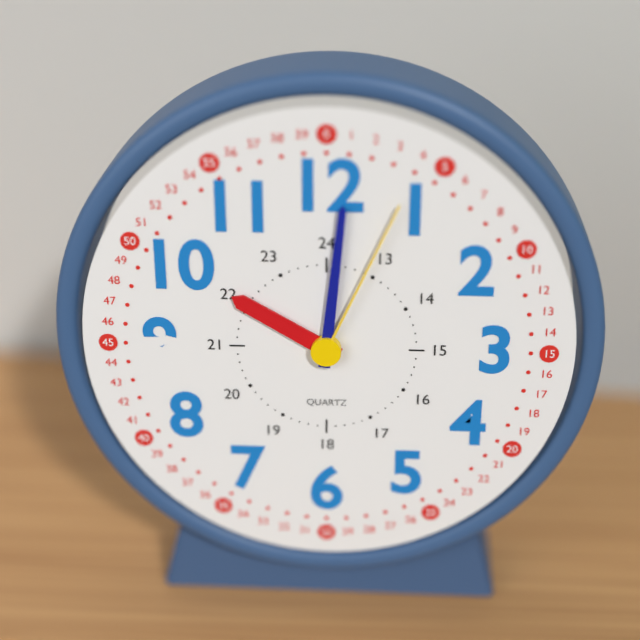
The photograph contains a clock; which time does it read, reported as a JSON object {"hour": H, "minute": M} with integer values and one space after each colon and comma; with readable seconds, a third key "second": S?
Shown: {"hour": 10, "minute": 1, "second": 4}
